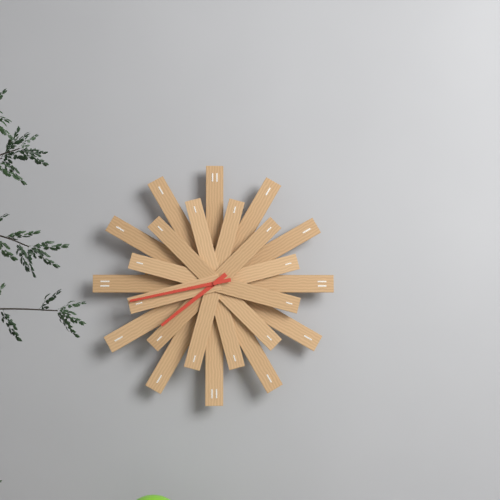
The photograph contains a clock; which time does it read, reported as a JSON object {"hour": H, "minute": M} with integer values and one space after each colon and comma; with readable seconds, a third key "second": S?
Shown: {"hour": 7, "minute": 43}
